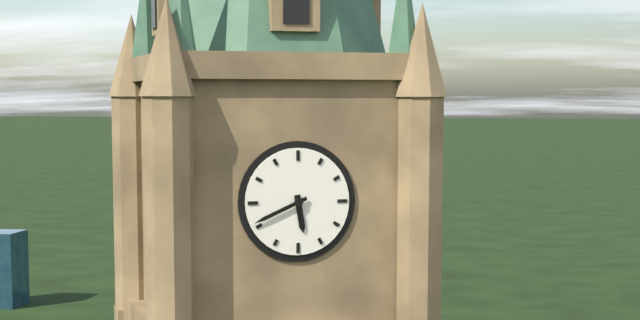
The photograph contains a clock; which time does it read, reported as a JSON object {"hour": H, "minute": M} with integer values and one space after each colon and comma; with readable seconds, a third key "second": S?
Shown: {"hour": 5, "minute": 41}
